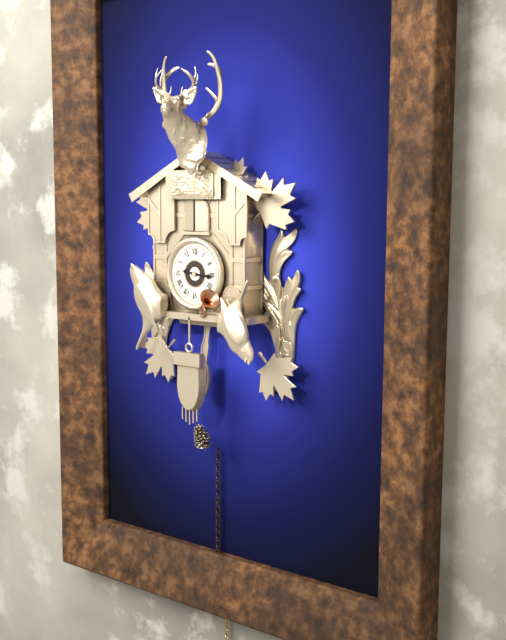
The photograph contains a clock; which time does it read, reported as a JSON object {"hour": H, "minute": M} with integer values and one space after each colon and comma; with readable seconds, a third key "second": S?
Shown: {"hour": 9, "minute": 16}
